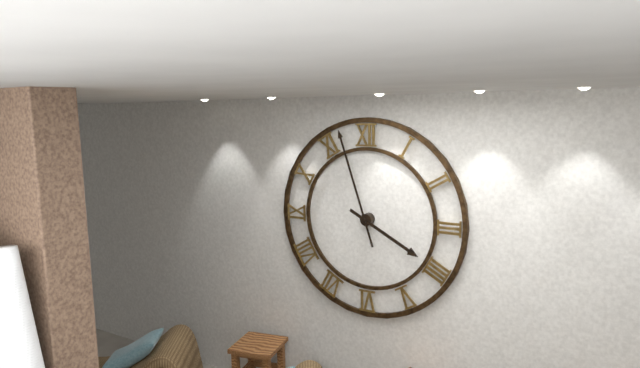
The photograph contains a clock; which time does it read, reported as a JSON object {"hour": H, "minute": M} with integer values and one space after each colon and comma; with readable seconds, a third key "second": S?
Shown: {"hour": 3, "minute": 57}
